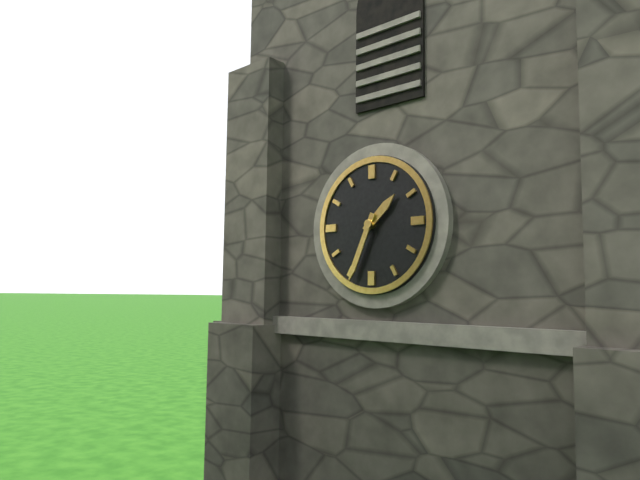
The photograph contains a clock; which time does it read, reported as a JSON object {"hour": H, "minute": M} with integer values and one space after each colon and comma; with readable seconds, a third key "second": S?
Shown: {"hour": 1, "minute": 34}
